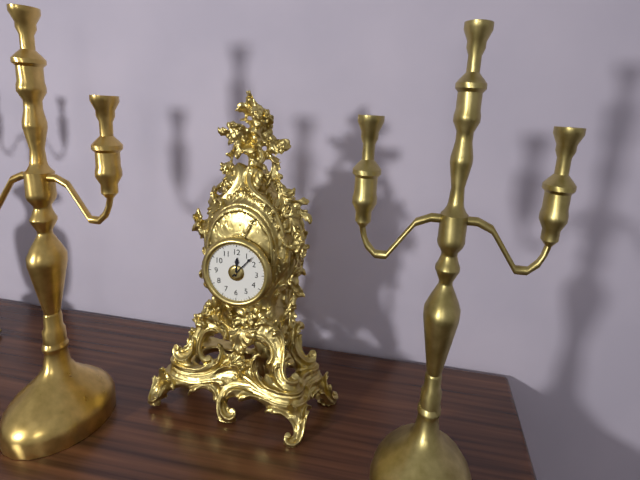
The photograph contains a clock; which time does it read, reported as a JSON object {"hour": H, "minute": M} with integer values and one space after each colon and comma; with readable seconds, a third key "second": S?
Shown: {"hour": 12, "minute": 7}
